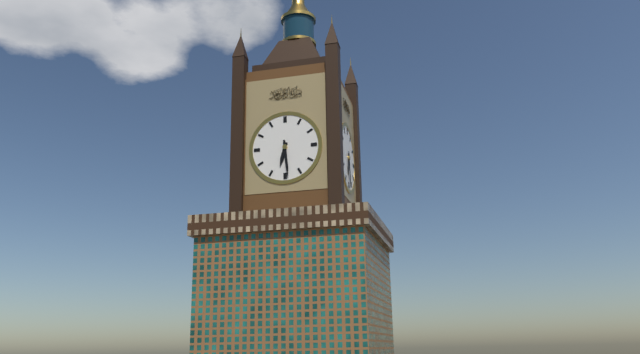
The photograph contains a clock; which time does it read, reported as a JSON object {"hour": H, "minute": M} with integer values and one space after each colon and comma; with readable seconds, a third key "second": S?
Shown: {"hour": 6, "minute": 29}
